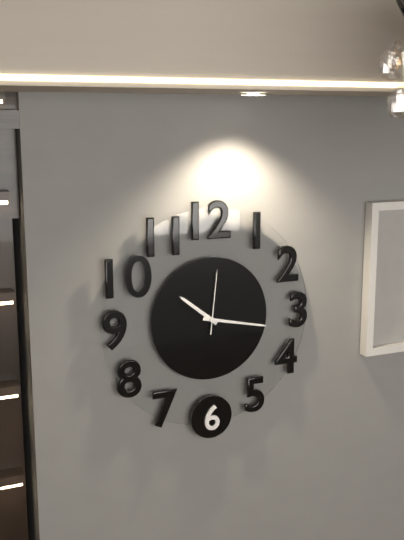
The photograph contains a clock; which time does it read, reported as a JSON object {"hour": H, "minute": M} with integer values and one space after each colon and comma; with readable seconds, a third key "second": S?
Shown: {"hour": 10, "minute": 17, "second": 1}
